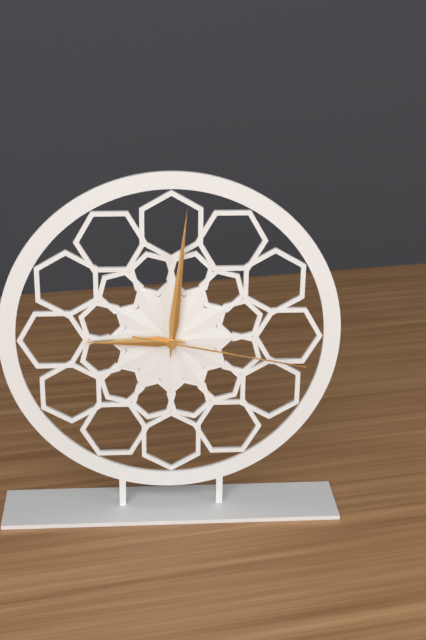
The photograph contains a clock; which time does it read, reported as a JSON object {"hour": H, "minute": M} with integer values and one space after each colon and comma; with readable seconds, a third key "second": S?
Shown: {"hour": 9, "minute": 1, "second": 17}
